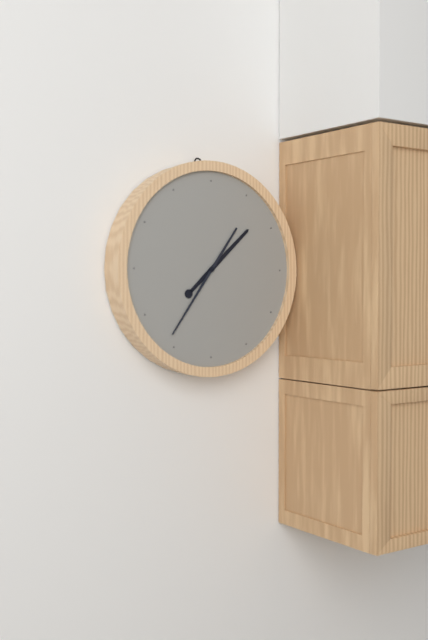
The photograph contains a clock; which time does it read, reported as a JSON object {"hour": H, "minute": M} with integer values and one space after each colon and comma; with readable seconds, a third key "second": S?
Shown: {"hour": 1, "minute": 36}
